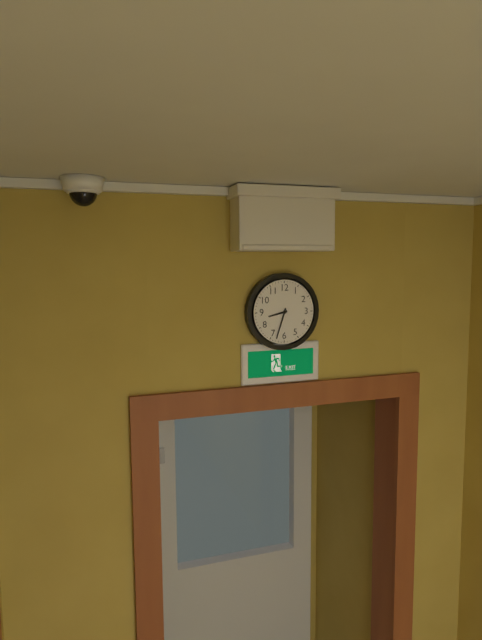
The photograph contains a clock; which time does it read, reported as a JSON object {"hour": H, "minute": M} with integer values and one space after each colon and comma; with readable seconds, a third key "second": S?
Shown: {"hour": 8, "minute": 33}
